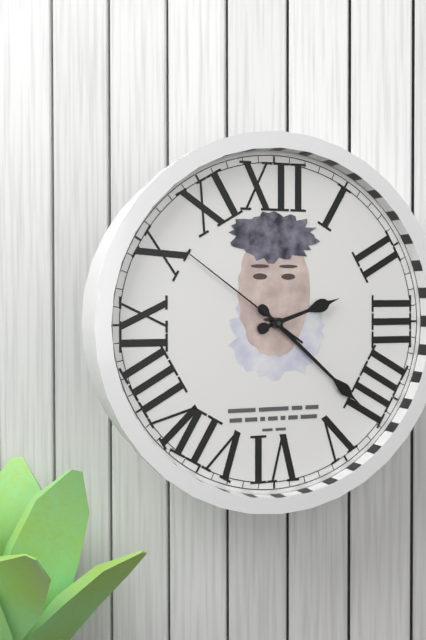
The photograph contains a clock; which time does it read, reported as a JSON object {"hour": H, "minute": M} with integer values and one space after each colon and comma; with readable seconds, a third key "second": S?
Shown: {"hour": 2, "minute": 22, "second": 51}
